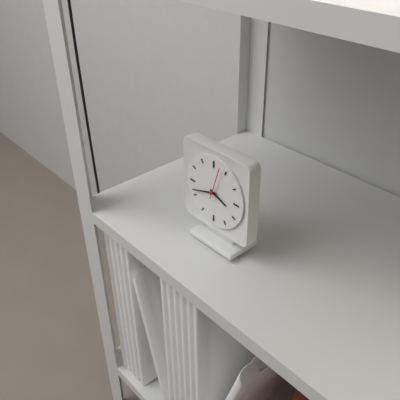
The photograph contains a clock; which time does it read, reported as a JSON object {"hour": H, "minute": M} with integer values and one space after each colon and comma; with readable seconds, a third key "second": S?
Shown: {"hour": 3, "minute": 42}
